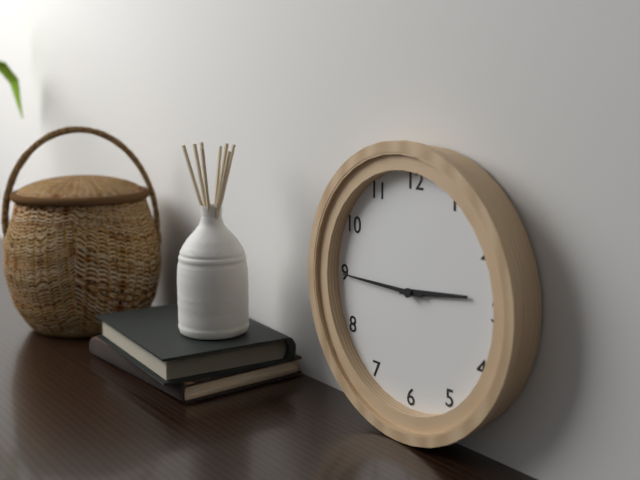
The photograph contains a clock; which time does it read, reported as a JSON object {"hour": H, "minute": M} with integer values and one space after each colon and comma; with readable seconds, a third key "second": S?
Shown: {"hour": 2, "minute": 45}
